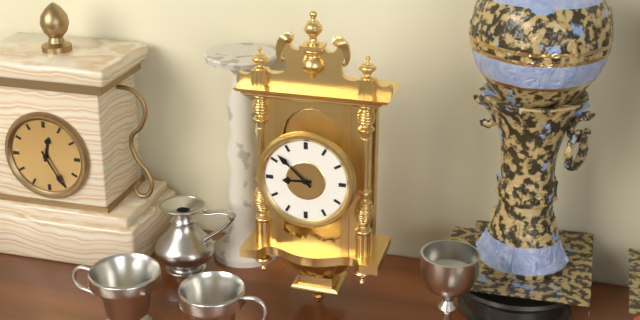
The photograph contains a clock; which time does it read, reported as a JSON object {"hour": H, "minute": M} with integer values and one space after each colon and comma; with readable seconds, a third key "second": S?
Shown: {"hour": 8, "minute": 52}
